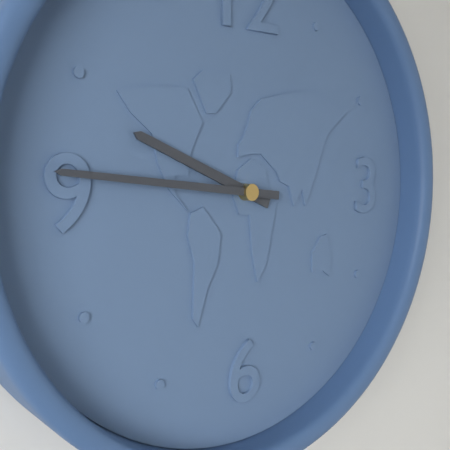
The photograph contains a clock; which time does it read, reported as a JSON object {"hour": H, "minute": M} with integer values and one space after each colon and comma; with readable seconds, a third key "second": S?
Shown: {"hour": 9, "minute": 46}
